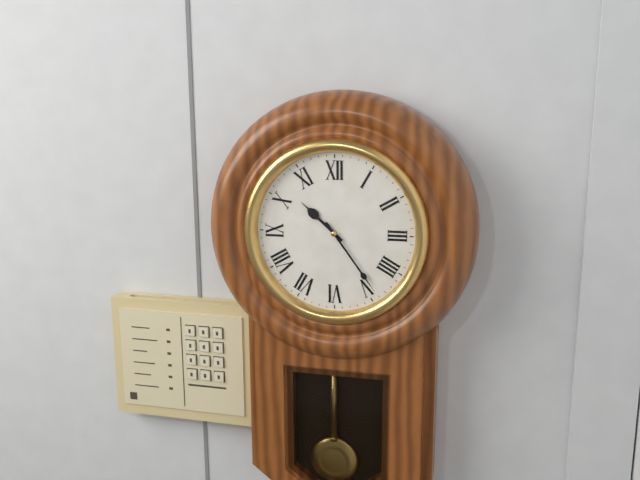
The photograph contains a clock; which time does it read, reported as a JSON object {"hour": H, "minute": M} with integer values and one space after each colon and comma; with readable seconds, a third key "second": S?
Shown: {"hour": 10, "minute": 24}
